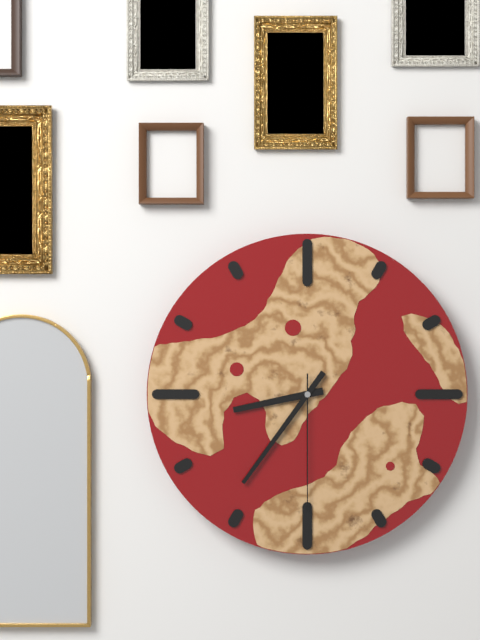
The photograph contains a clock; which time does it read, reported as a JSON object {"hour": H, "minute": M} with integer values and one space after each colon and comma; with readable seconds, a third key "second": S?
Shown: {"hour": 8, "minute": 36, "second": 30}
